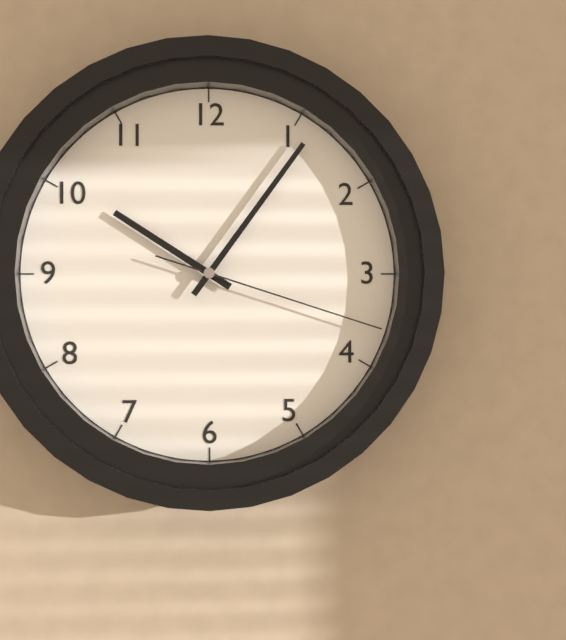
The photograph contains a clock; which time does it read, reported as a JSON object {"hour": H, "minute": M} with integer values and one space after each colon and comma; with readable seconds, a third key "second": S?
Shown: {"hour": 10, "minute": 6, "second": 18}
